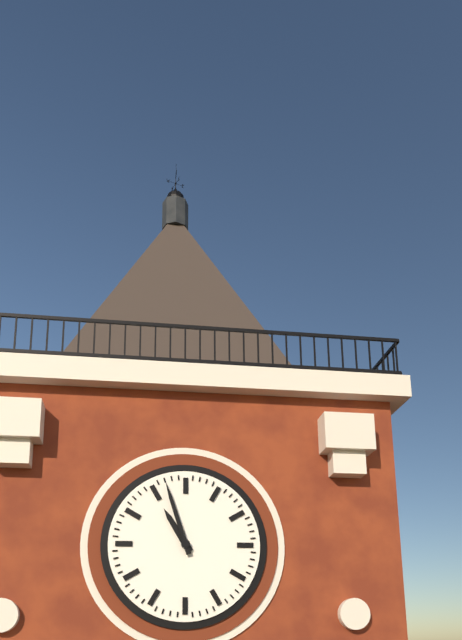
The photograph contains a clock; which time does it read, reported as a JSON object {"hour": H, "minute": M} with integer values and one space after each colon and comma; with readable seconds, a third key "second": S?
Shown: {"hour": 10, "minute": 57}
